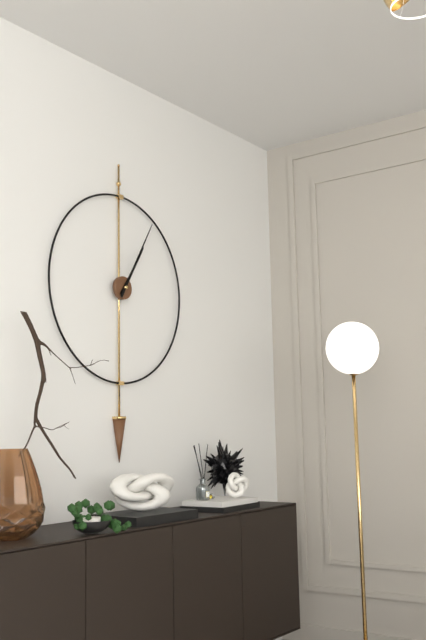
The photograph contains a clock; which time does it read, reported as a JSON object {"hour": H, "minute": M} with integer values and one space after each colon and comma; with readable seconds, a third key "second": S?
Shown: {"hour": 1, "minute": 5}
